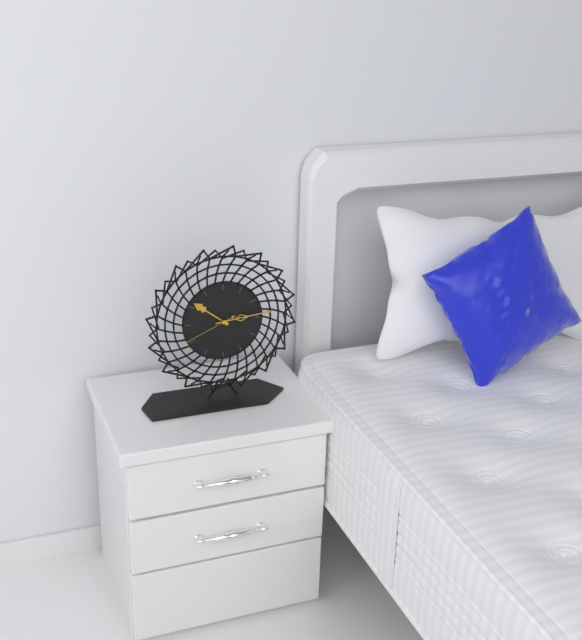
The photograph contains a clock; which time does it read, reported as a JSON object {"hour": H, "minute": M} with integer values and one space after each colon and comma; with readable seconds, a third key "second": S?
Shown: {"hour": 10, "minute": 14, "second": 41}
